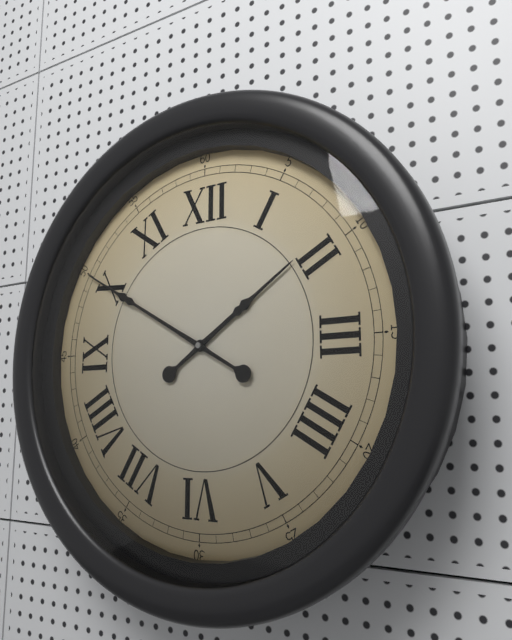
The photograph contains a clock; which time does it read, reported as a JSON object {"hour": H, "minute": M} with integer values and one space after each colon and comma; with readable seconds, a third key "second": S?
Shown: {"hour": 1, "minute": 50}
